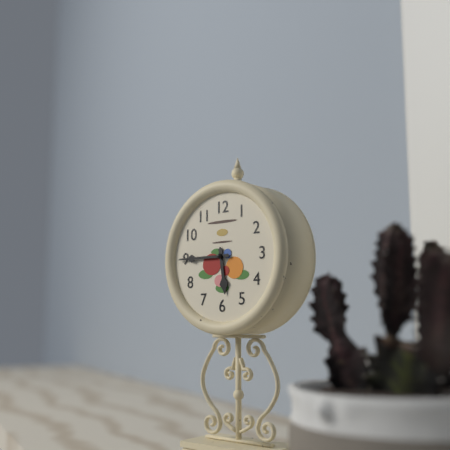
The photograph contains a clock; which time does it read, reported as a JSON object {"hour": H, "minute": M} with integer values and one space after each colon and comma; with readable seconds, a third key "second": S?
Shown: {"hour": 5, "minute": 45}
